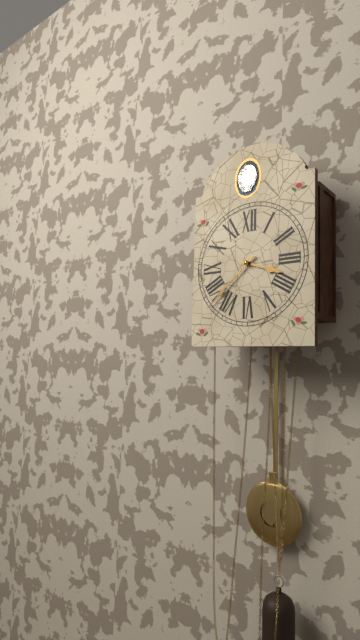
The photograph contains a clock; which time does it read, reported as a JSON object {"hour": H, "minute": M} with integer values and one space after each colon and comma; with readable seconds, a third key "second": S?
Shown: {"hour": 3, "minute": 38}
